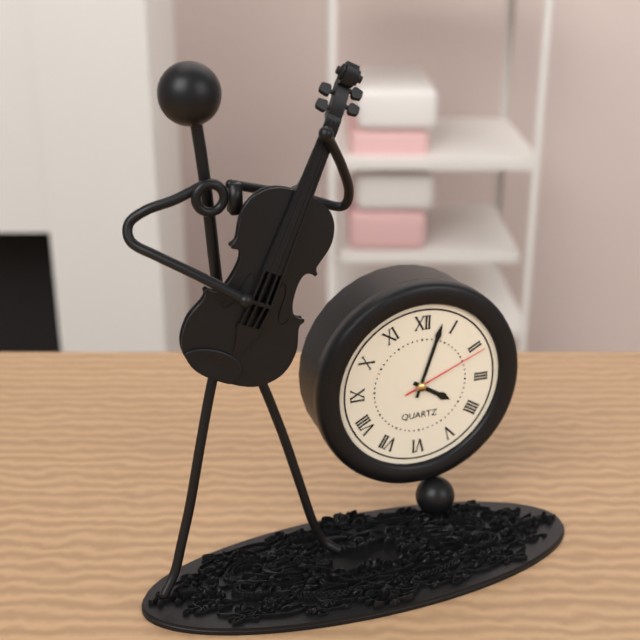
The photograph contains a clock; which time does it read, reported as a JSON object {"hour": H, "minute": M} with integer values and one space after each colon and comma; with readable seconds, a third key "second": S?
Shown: {"hour": 4, "minute": 3, "second": 11}
